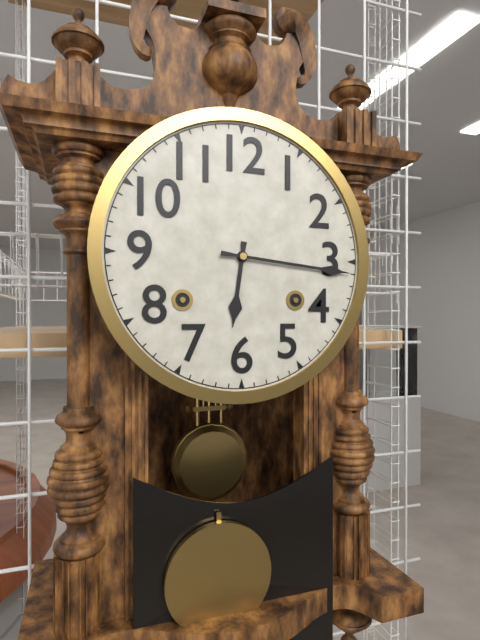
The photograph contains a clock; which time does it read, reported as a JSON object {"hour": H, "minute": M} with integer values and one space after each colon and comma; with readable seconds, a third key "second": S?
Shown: {"hour": 6, "minute": 16}
